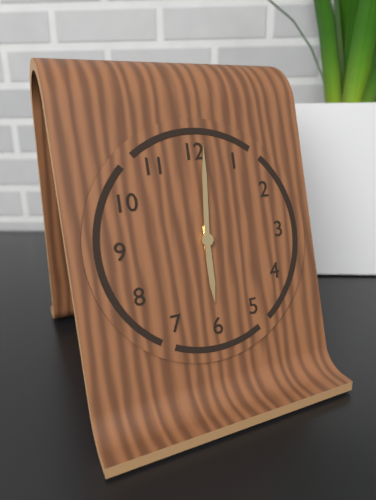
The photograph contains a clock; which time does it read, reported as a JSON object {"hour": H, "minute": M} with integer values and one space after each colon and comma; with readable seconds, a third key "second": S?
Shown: {"hour": 6, "minute": 1}
